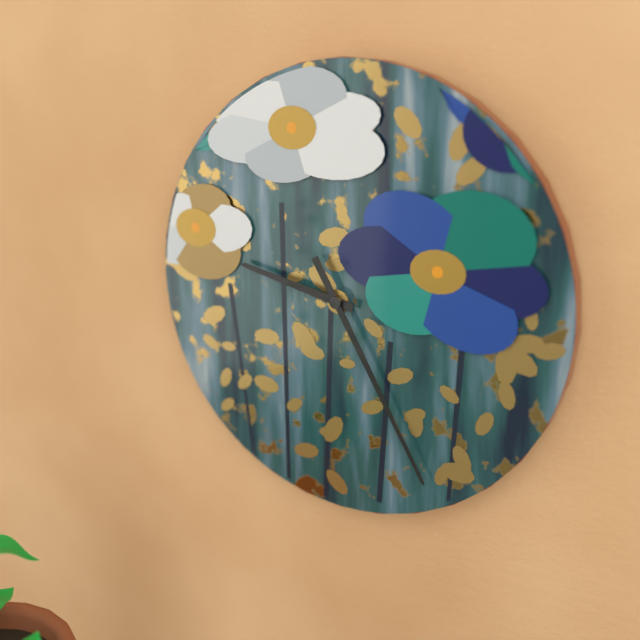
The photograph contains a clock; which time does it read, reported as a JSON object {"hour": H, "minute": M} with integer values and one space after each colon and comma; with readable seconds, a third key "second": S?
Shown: {"hour": 9, "minute": 25}
